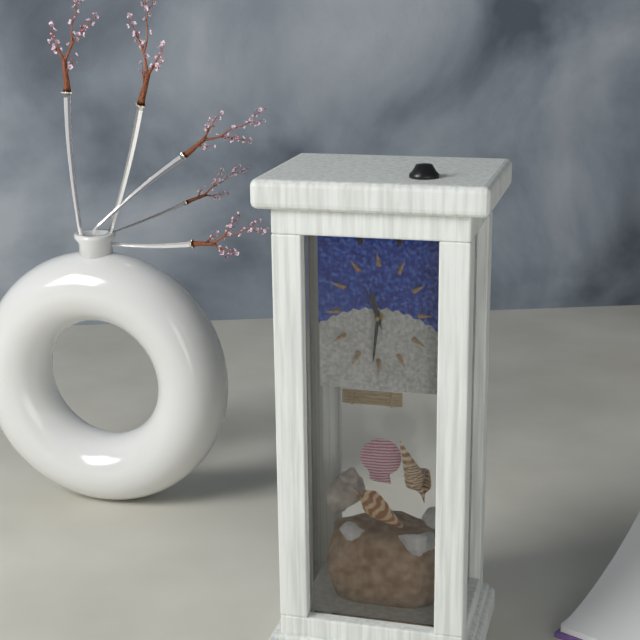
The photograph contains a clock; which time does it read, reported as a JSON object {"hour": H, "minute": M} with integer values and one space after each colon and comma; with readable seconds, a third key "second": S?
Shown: {"hour": 11, "minute": 31, "second": 56}
